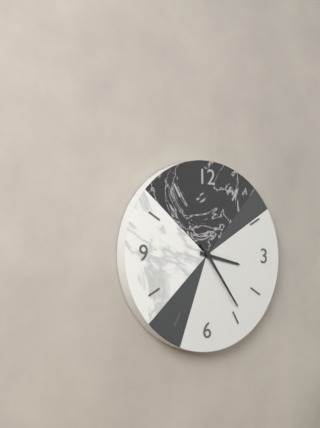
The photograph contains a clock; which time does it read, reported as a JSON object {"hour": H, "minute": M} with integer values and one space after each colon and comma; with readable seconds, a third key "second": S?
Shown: {"hour": 3, "minute": 24}
